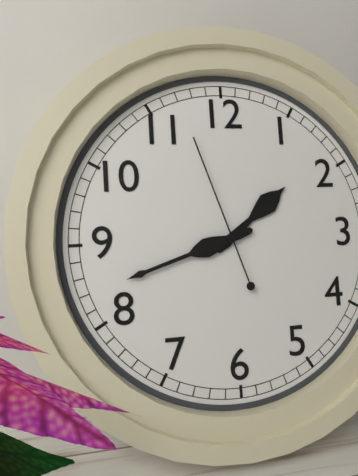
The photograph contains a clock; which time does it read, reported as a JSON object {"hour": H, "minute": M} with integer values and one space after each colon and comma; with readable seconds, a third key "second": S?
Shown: {"hour": 1, "minute": 42, "second": 57}
